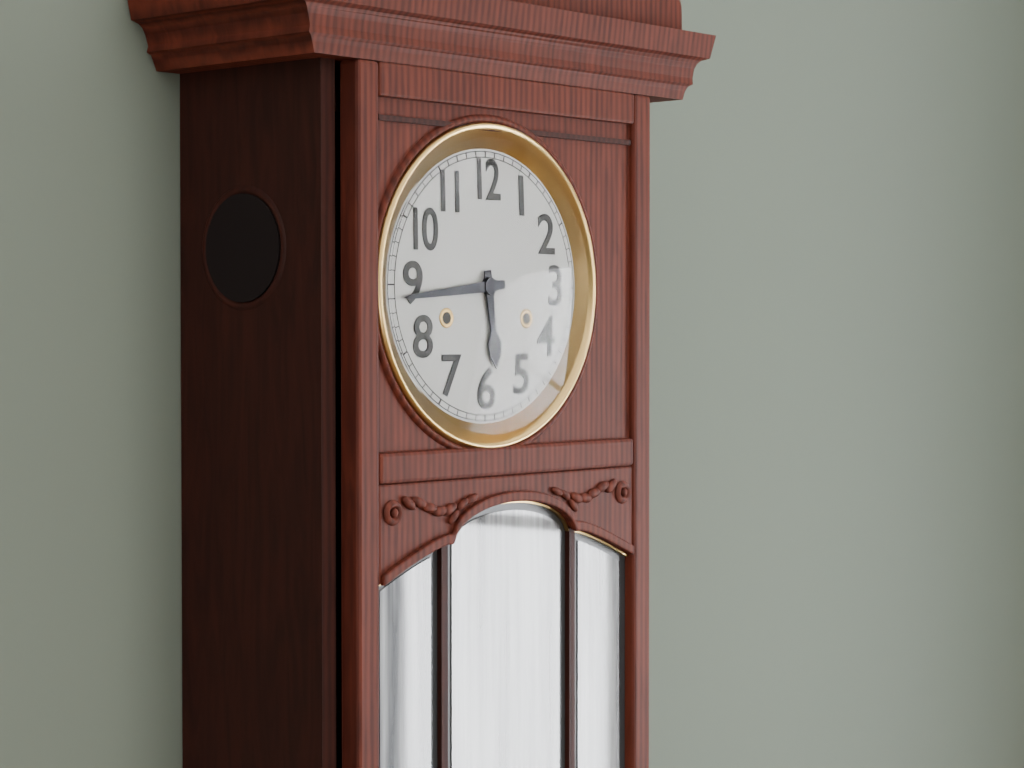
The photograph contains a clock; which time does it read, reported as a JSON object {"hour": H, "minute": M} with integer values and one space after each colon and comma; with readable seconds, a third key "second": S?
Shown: {"hour": 5, "minute": 44}
